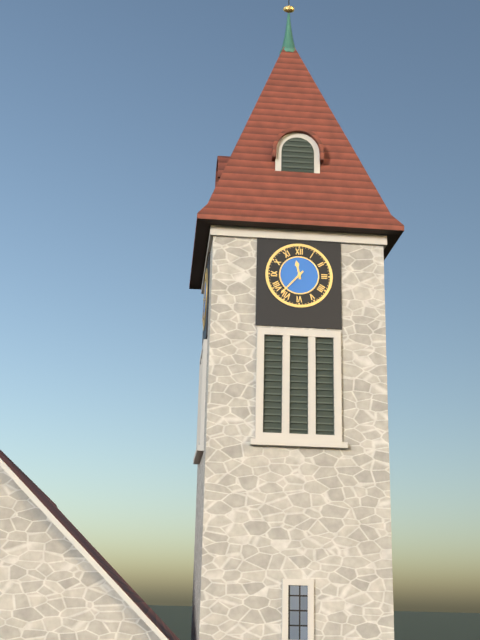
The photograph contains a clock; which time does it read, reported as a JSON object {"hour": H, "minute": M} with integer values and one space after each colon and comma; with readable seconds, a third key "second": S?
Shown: {"hour": 11, "minute": 37}
